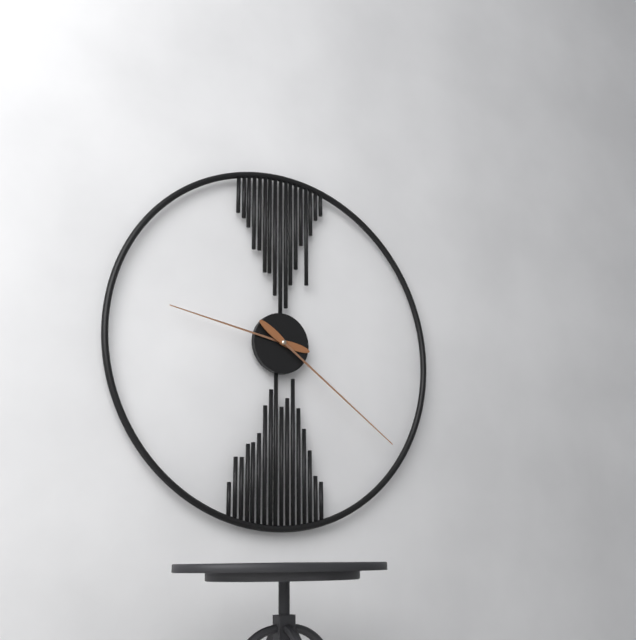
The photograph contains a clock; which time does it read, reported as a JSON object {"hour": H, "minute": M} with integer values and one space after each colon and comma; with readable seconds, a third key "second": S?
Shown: {"hour": 9, "minute": 21}
